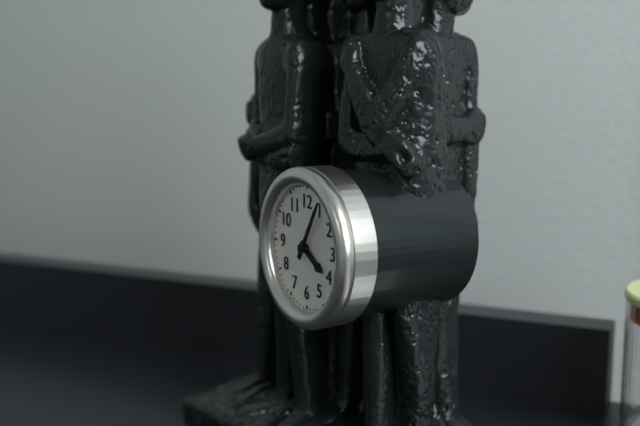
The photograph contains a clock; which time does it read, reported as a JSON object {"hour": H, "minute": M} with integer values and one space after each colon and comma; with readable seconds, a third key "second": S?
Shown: {"hour": 4, "minute": 5}
